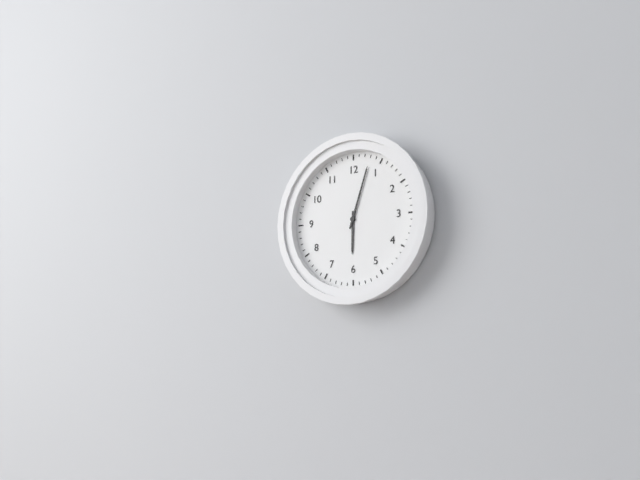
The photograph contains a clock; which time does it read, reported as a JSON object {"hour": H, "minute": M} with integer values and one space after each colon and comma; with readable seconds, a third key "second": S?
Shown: {"hour": 6, "minute": 3}
